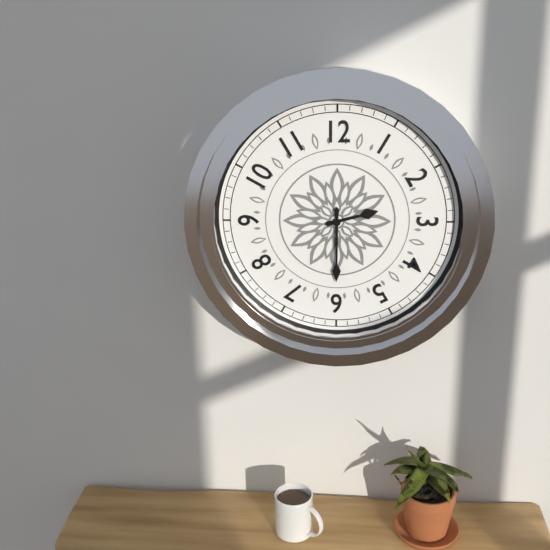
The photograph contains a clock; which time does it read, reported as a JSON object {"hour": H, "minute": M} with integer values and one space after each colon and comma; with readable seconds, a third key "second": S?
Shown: {"hour": 2, "minute": 30}
